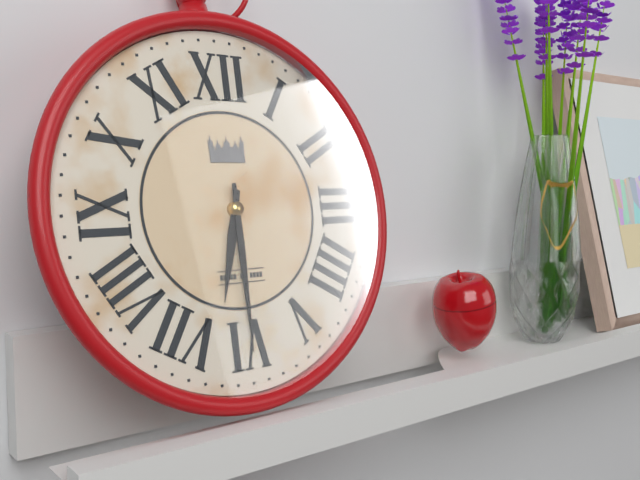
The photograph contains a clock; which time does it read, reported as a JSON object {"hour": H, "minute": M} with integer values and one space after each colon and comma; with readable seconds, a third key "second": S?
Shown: {"hour": 6, "minute": 30}
